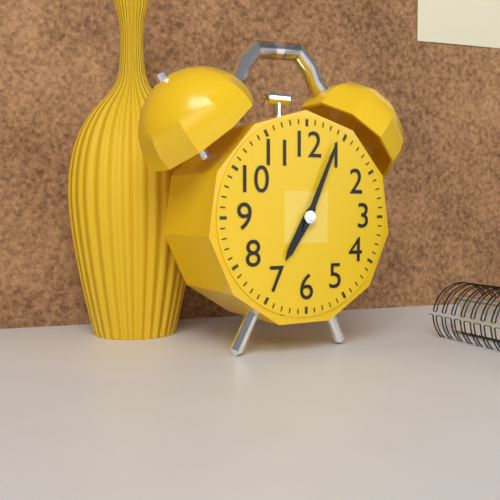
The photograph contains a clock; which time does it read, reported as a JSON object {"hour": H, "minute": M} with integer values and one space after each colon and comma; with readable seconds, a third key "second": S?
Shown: {"hour": 7, "minute": 4}
